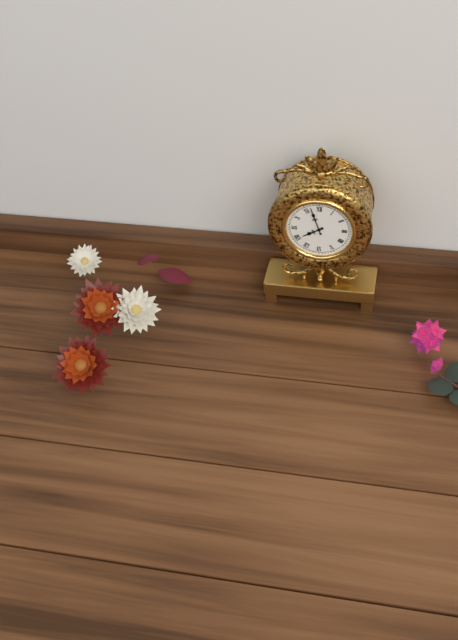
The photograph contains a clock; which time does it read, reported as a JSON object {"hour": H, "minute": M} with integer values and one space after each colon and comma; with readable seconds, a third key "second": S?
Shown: {"hour": 7, "minute": 57}
